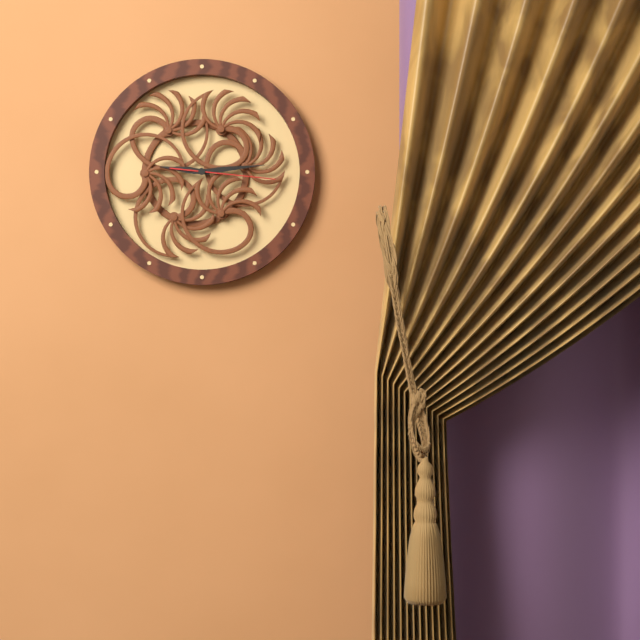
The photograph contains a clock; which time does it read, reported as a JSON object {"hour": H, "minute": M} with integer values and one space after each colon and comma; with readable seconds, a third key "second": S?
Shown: {"hour": 9, "minute": 14, "second": 16}
